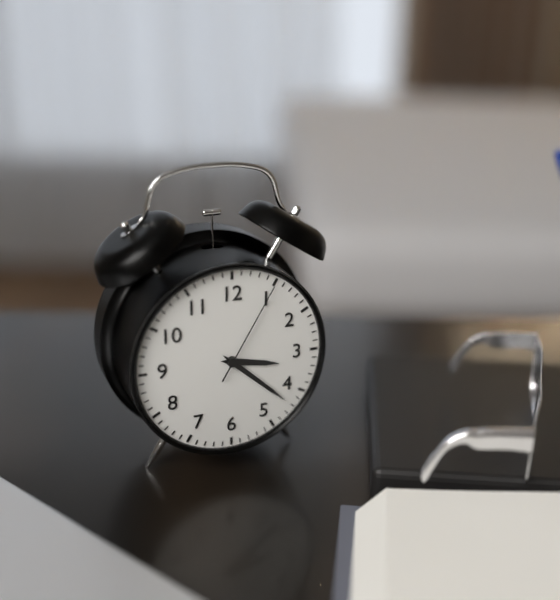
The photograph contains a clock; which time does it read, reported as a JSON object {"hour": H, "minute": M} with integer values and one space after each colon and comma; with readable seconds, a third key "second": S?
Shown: {"hour": 3, "minute": 22, "second": 5}
